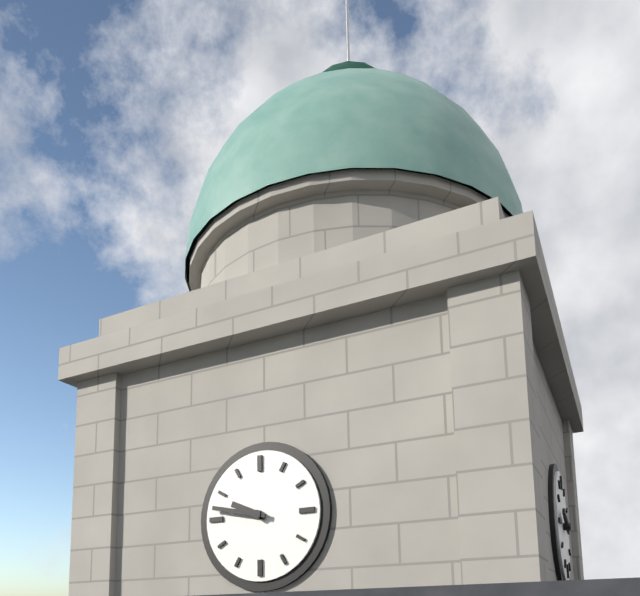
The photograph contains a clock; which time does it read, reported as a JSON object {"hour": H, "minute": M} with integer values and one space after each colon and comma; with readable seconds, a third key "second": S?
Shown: {"hour": 9, "minute": 47}
